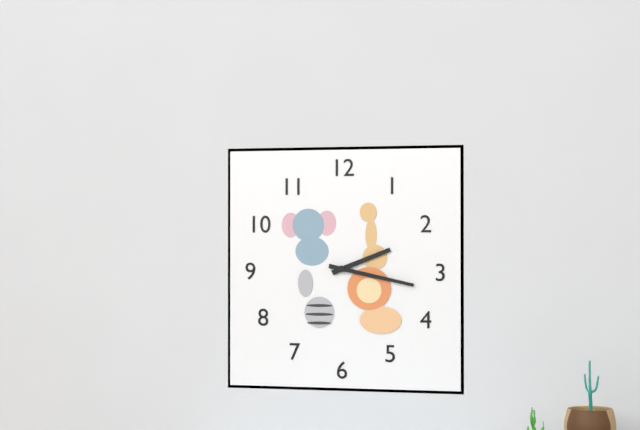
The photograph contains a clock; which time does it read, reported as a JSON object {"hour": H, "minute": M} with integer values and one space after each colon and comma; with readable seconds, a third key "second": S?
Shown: {"hour": 2, "minute": 17}
